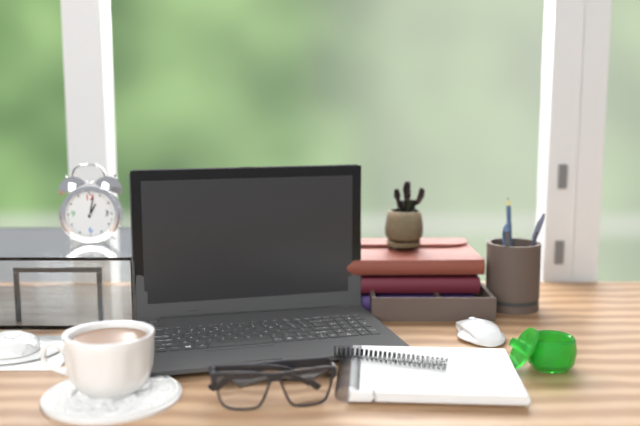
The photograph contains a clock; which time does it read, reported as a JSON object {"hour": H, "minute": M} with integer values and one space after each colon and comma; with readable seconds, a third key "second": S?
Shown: {"hour": 1, "minute": 2}
